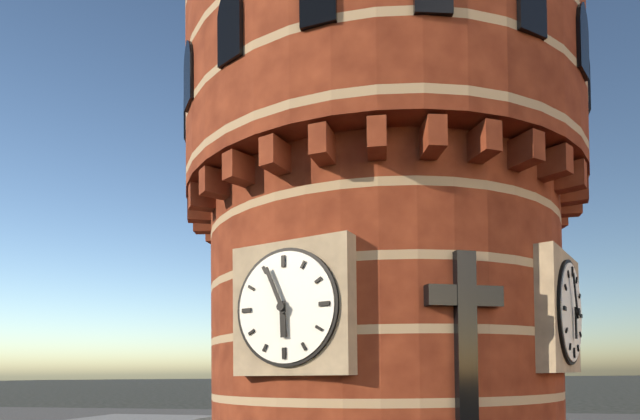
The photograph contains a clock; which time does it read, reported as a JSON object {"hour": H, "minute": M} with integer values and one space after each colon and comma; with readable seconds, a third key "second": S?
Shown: {"hour": 5, "minute": 56}
